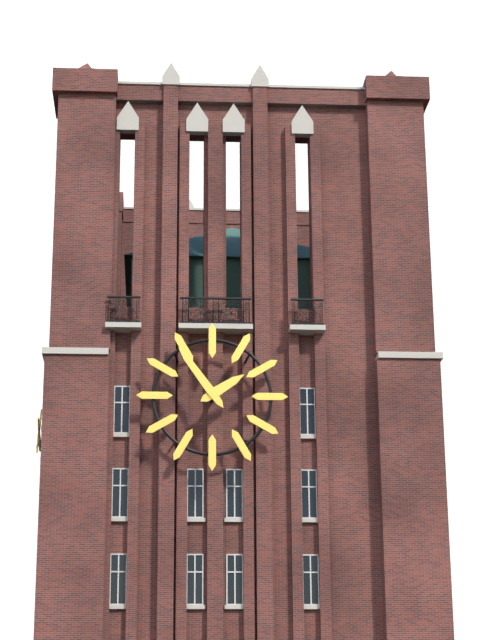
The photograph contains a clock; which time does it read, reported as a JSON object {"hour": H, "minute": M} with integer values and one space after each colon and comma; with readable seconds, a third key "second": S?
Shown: {"hour": 1, "minute": 54}
